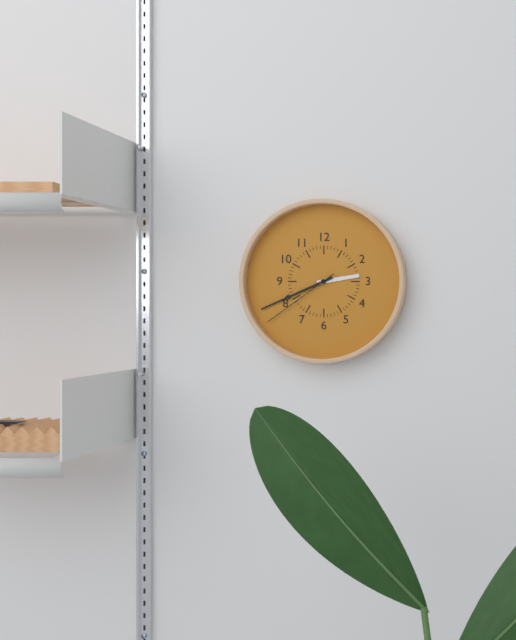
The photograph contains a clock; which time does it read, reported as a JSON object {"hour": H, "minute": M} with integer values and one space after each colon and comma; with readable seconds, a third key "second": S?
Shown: {"hour": 2, "minute": 41, "second": 39}
